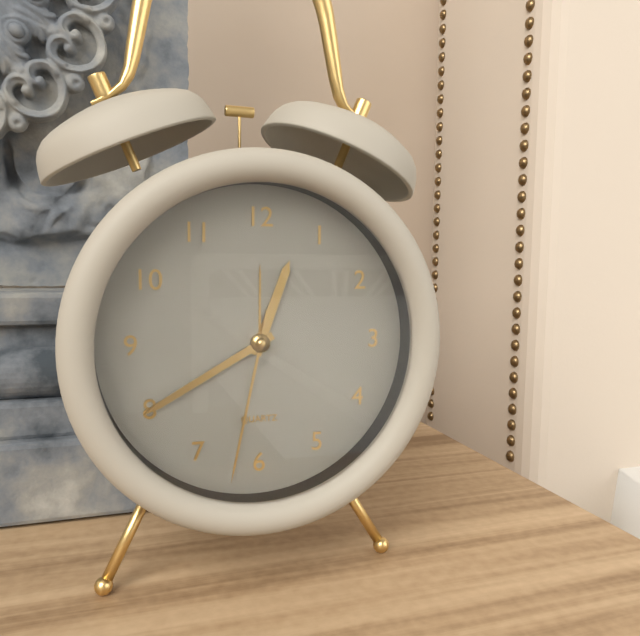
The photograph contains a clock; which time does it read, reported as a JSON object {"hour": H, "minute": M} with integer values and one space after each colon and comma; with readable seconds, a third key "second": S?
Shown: {"hour": 12, "minute": 40, "second": 32}
